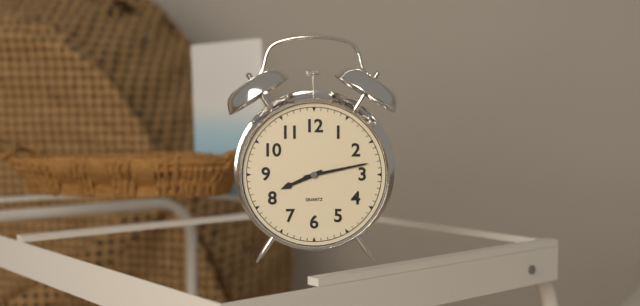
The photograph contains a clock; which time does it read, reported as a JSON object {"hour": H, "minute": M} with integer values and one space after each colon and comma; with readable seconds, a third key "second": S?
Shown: {"hour": 8, "minute": 13}
